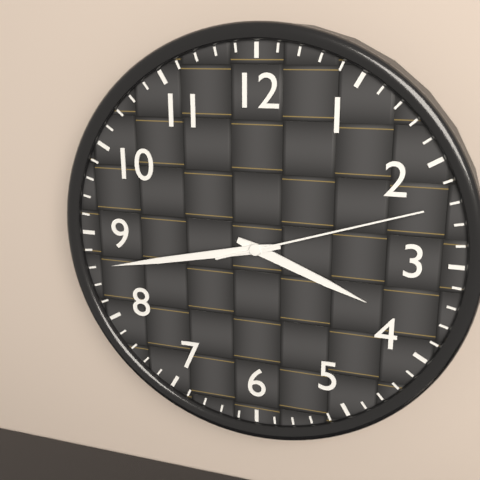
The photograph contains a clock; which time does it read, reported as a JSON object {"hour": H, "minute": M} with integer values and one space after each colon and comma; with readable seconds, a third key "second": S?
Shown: {"hour": 3, "minute": 43, "second": 12}
